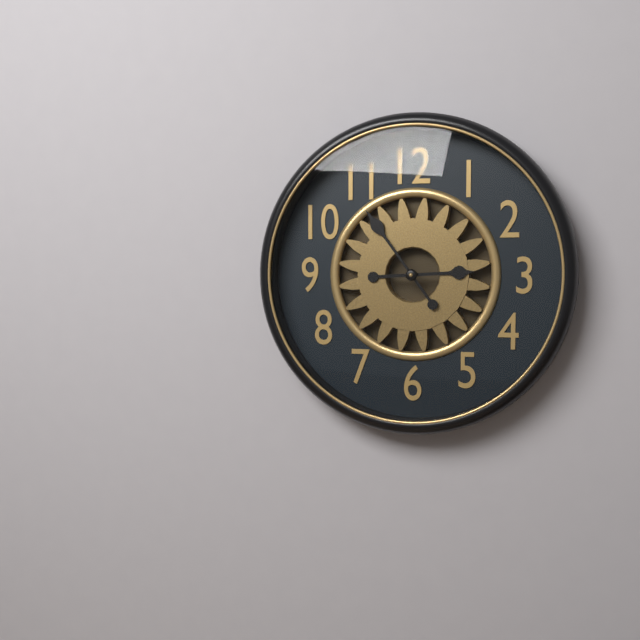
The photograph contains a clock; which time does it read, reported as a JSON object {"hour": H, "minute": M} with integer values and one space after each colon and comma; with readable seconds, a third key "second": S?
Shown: {"hour": 2, "minute": 54}
